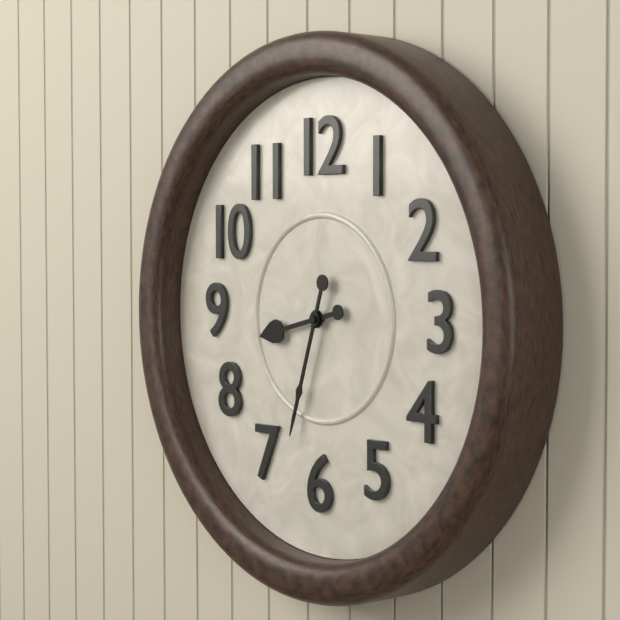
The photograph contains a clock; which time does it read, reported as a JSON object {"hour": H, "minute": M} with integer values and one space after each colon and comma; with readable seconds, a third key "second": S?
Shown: {"hour": 8, "minute": 33}
